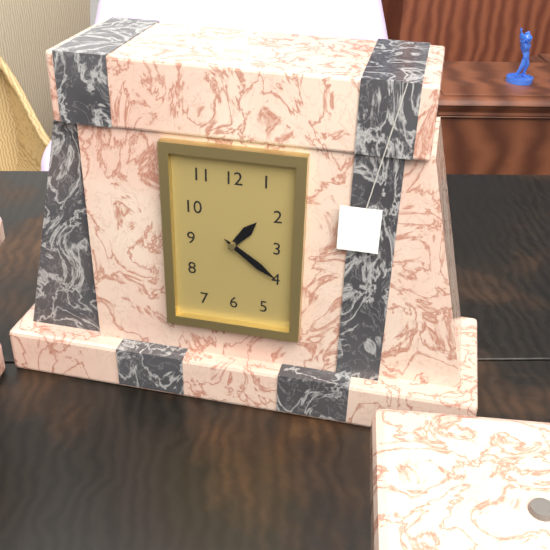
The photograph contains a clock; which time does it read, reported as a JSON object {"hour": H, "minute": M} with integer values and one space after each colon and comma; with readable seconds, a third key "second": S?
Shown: {"hour": 1, "minute": 21}
